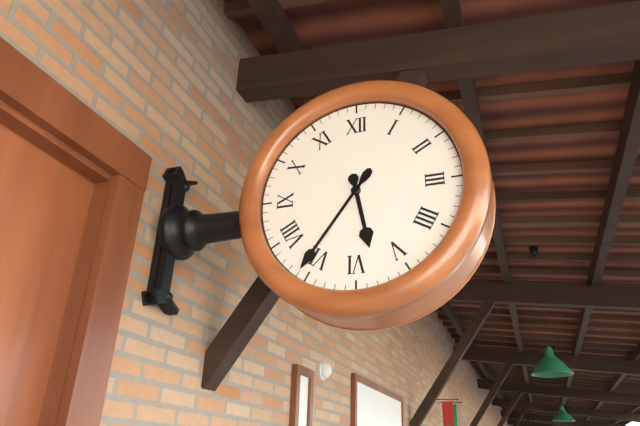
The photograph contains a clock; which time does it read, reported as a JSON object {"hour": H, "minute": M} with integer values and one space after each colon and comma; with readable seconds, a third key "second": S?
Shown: {"hour": 5, "minute": 36}
